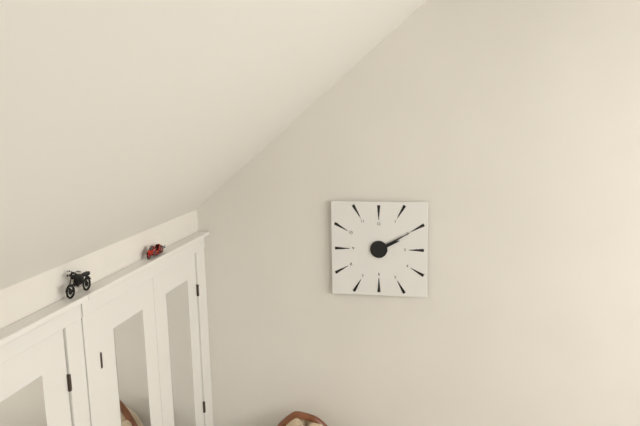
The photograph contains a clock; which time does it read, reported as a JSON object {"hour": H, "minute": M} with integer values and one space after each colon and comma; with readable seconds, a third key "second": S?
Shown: {"hour": 2, "minute": 10}
